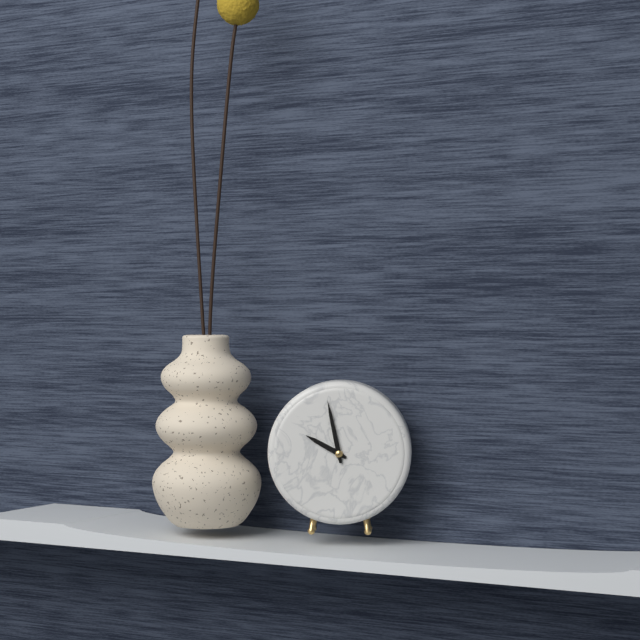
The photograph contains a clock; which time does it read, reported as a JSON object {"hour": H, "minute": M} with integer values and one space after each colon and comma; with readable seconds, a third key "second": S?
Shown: {"hour": 9, "minute": 58}
